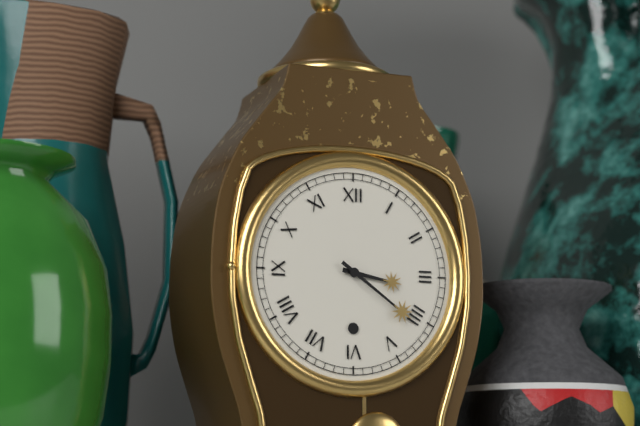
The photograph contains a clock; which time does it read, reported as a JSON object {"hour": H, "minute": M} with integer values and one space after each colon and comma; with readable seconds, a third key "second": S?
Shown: {"hour": 3, "minute": 21}
